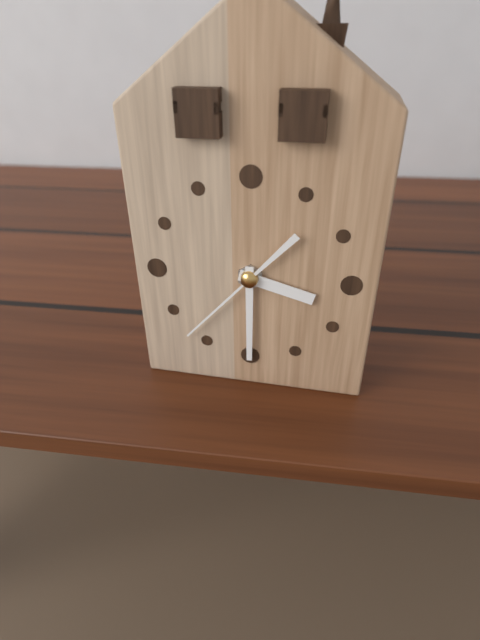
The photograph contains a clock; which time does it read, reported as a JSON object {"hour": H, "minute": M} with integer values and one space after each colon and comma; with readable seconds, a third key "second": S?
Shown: {"hour": 3, "minute": 30, "second": 37}
